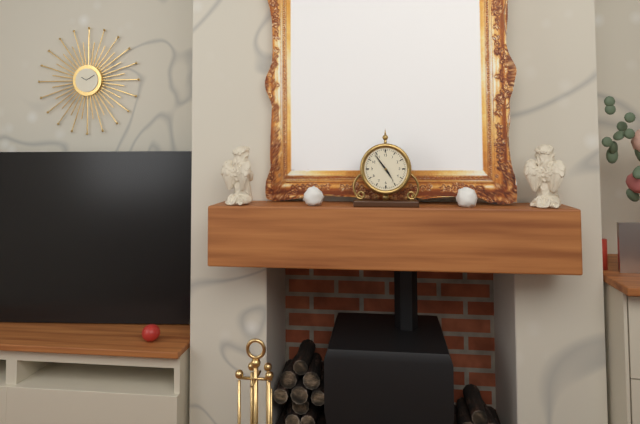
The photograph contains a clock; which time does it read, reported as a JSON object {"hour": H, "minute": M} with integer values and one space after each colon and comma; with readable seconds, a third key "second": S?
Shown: {"hour": 4, "minute": 54}
